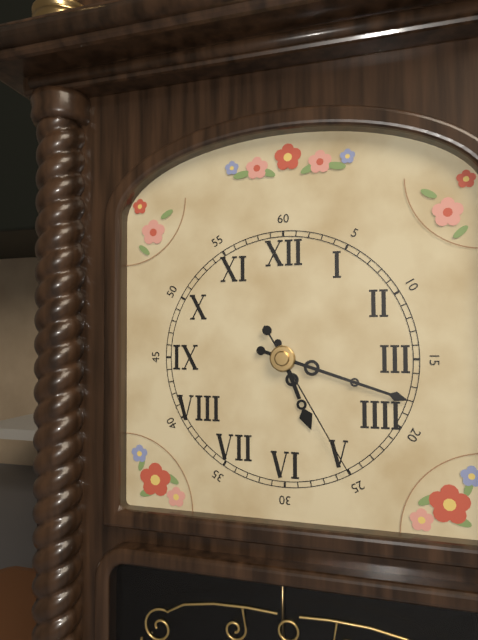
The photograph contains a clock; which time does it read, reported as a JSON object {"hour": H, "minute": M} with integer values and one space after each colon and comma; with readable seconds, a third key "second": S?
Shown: {"hour": 5, "minute": 18, "second": 25}
